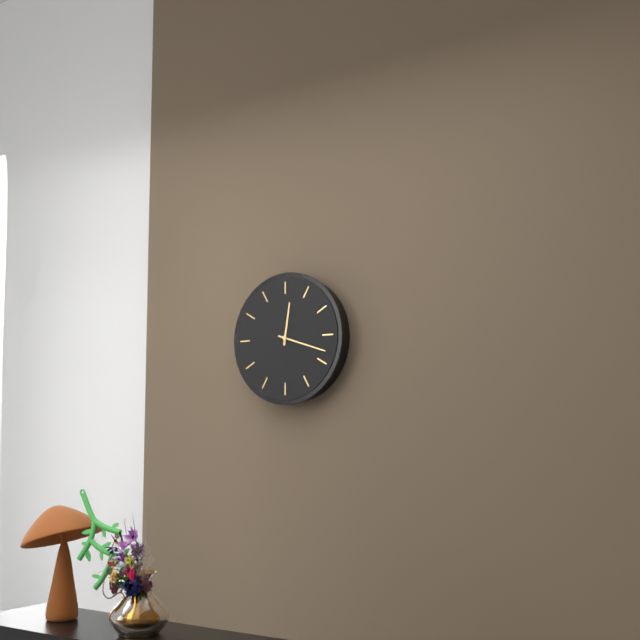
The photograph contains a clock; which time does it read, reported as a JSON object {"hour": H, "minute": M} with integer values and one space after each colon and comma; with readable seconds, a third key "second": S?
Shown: {"hour": 12, "minute": 18}
